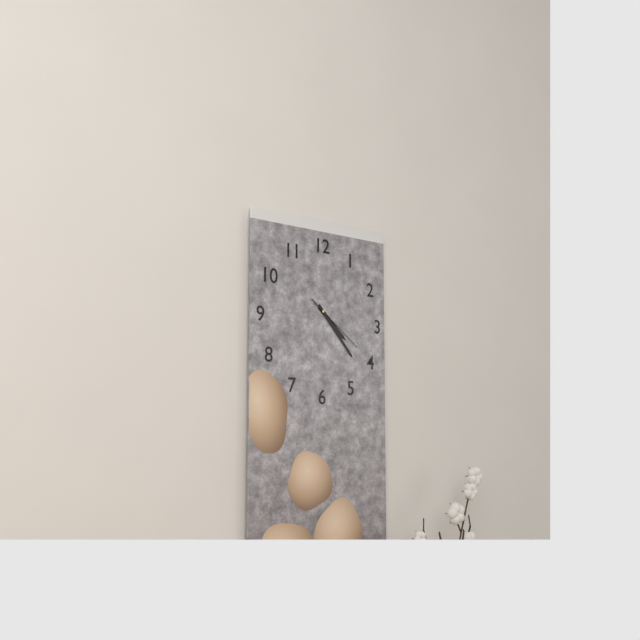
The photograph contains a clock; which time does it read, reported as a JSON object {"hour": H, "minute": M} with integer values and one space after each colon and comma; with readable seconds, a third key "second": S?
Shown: {"hour": 4, "minute": 23, "second": 21}
